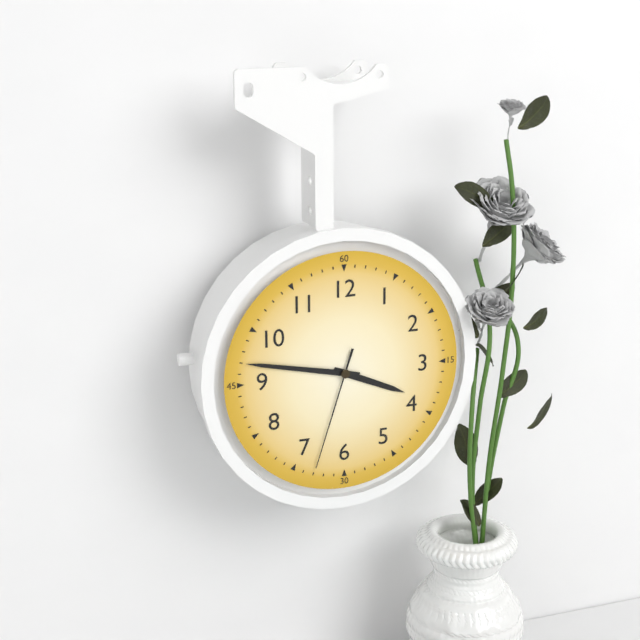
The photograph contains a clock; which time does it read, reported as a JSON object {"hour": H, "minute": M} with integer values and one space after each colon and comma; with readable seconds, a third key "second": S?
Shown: {"hour": 3, "minute": 47, "second": 33}
